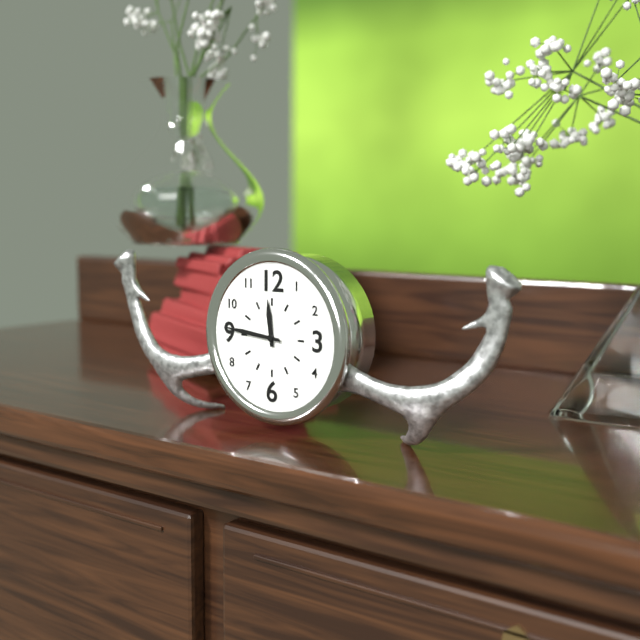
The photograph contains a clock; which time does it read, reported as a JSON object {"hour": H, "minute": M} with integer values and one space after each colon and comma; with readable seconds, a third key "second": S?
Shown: {"hour": 11, "minute": 46}
